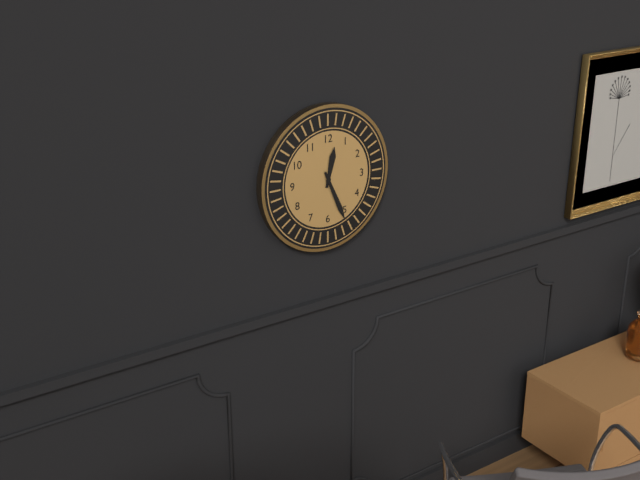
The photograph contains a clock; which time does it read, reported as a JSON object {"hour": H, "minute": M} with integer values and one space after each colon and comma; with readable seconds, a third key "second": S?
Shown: {"hour": 12, "minute": 26}
